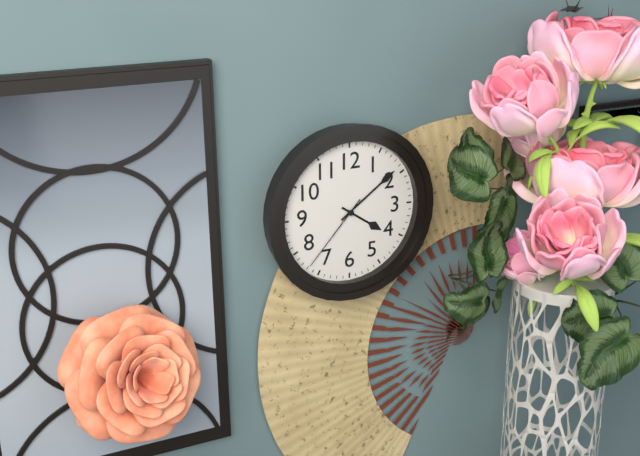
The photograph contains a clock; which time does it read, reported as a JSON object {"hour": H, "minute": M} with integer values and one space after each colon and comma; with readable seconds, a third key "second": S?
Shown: {"hour": 4, "minute": 9, "second": 37}
